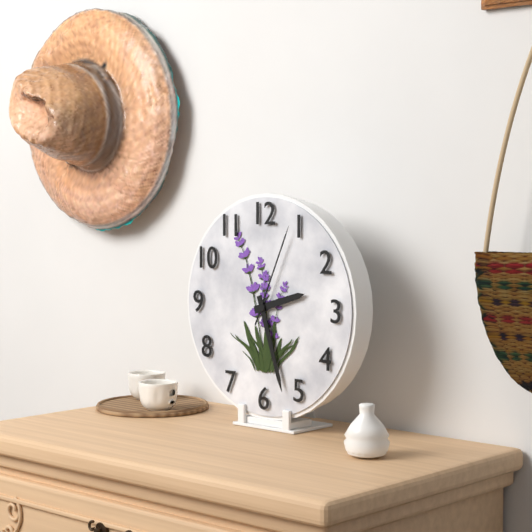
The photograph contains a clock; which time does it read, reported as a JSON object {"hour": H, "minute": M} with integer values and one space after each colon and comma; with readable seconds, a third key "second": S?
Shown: {"hour": 2, "minute": 27, "second": 4}
